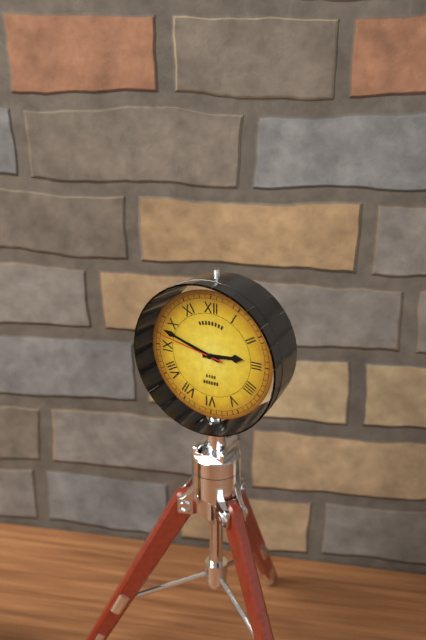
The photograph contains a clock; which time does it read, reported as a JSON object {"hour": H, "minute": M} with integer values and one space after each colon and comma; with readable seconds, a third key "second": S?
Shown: {"hour": 2, "minute": 48, "second": 47}
